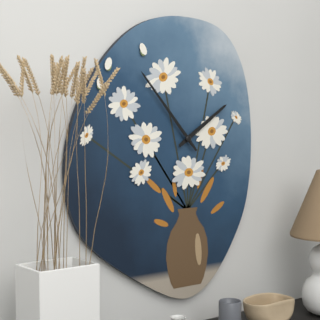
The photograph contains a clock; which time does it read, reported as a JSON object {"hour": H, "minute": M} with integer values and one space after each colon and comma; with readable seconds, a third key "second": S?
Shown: {"hour": 1, "minute": 53}
